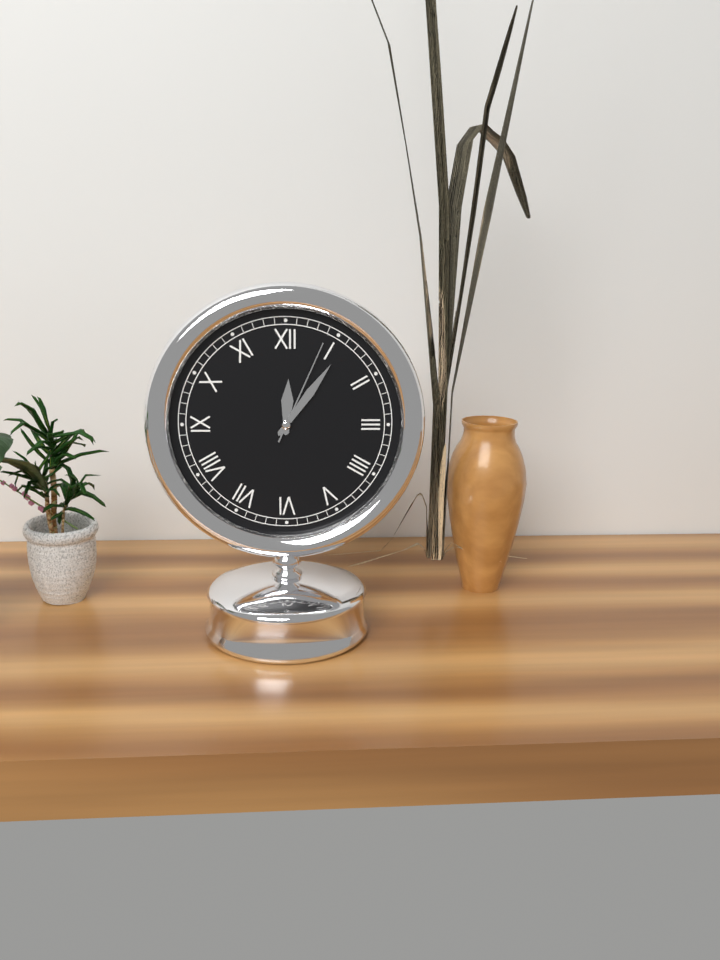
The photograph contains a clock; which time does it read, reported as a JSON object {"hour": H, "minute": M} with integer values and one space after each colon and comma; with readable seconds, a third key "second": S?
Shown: {"hour": 12, "minute": 6, "second": 4}
